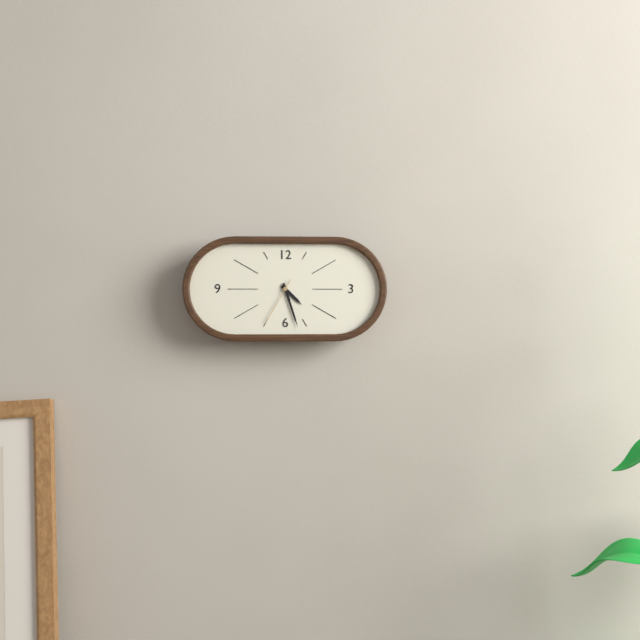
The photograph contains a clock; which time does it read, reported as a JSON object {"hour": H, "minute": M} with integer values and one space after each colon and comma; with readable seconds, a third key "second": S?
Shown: {"hour": 4, "minute": 27}
